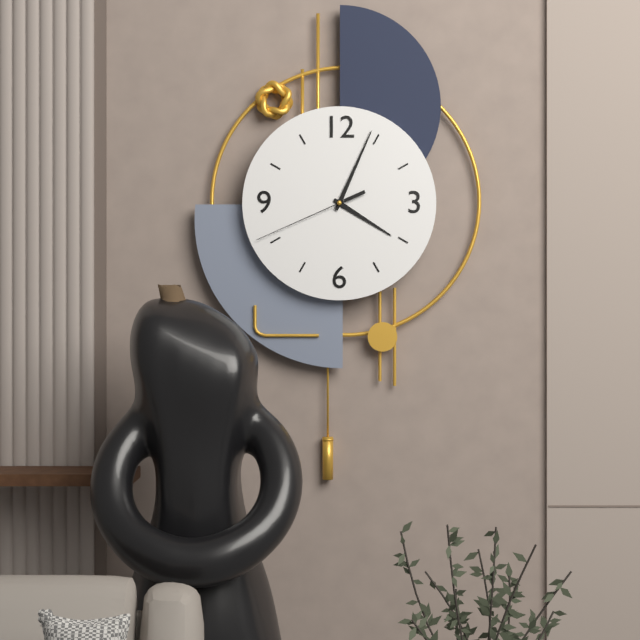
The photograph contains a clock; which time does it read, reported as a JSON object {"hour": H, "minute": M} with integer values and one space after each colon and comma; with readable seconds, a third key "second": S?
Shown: {"hour": 4, "minute": 4, "second": 41}
